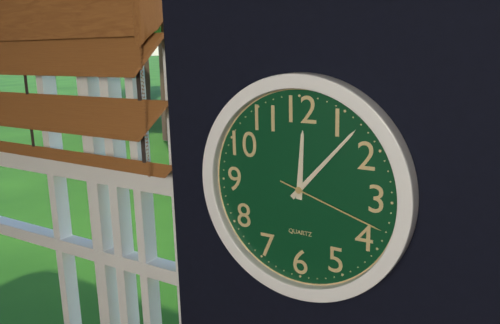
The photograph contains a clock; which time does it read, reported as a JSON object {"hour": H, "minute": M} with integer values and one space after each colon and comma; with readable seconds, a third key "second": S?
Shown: {"hour": 12, "minute": 7, "second": 18}
